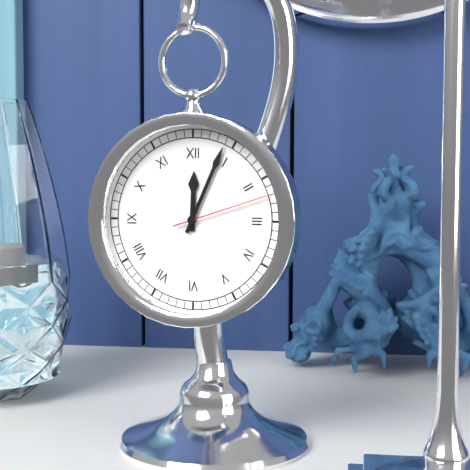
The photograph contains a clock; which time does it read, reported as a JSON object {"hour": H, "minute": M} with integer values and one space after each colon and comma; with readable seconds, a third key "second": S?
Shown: {"hour": 12, "minute": 4, "second": 12}
